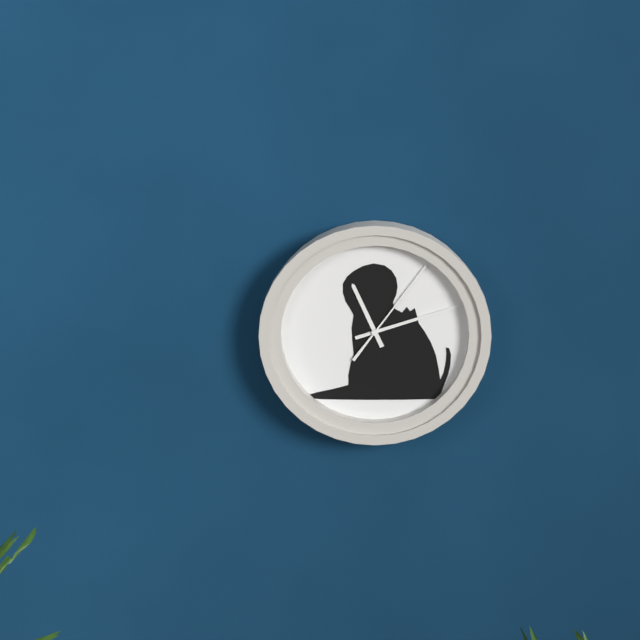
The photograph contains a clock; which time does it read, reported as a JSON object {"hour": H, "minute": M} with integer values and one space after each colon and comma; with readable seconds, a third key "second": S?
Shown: {"hour": 11, "minute": 12, "second": 6}
